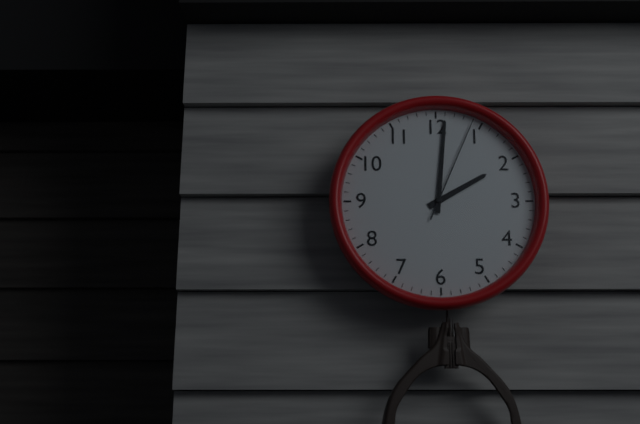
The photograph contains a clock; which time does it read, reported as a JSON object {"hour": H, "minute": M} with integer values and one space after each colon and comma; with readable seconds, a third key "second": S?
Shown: {"hour": 2, "minute": 1, "second": 4}
